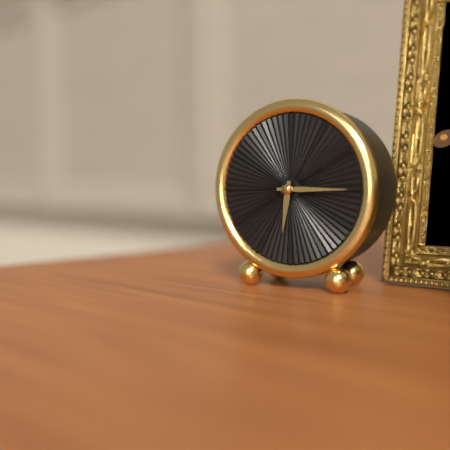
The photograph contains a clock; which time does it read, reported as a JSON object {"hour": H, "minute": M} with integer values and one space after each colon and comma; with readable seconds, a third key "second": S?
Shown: {"hour": 6, "minute": 15}
